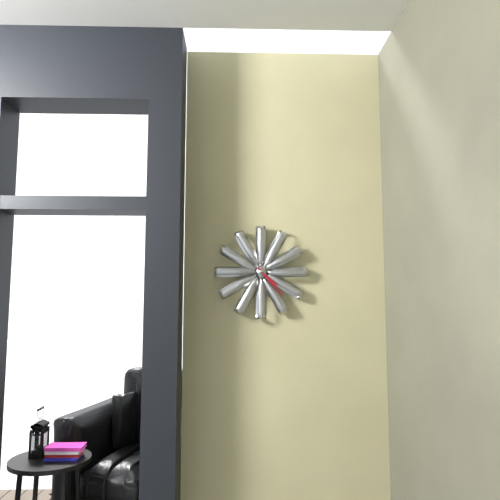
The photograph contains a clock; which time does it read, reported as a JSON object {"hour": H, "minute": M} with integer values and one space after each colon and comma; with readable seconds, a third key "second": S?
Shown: {"hour": 4, "minute": 23}
